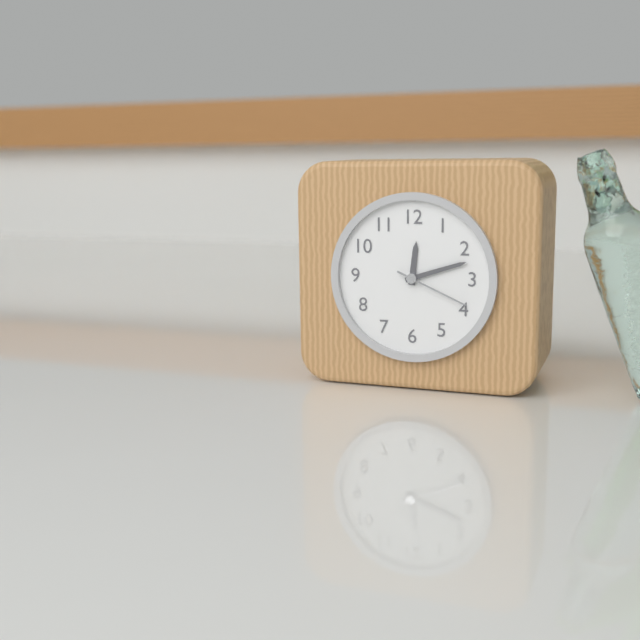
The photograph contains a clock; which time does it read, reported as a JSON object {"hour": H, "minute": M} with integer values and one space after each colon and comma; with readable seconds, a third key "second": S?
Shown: {"hour": 12, "minute": 12, "second": 19}
